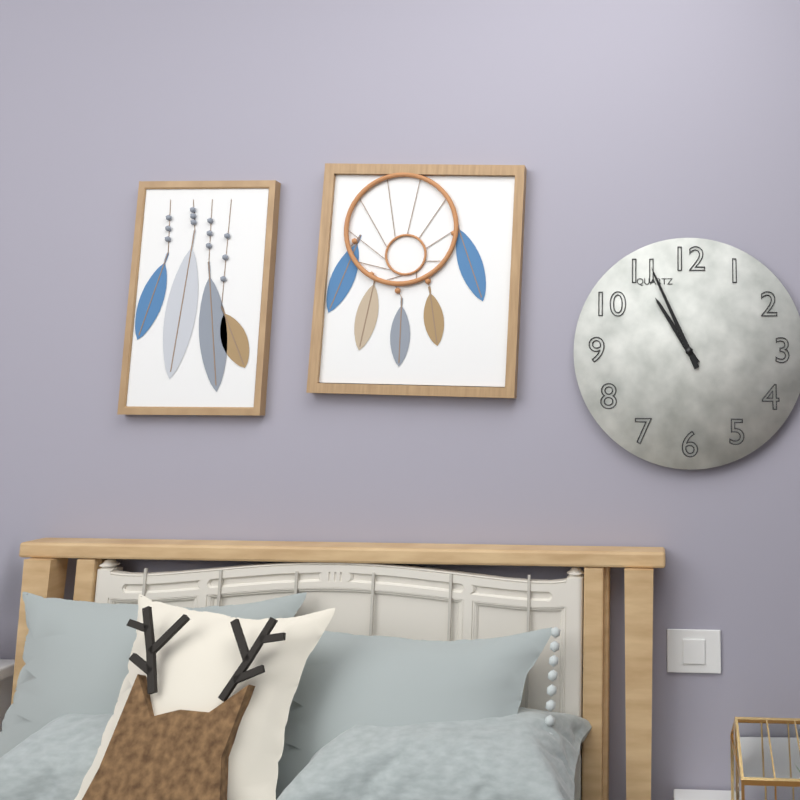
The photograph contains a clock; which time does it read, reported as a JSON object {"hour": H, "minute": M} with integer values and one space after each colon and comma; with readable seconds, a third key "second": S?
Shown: {"hour": 10, "minute": 56}
